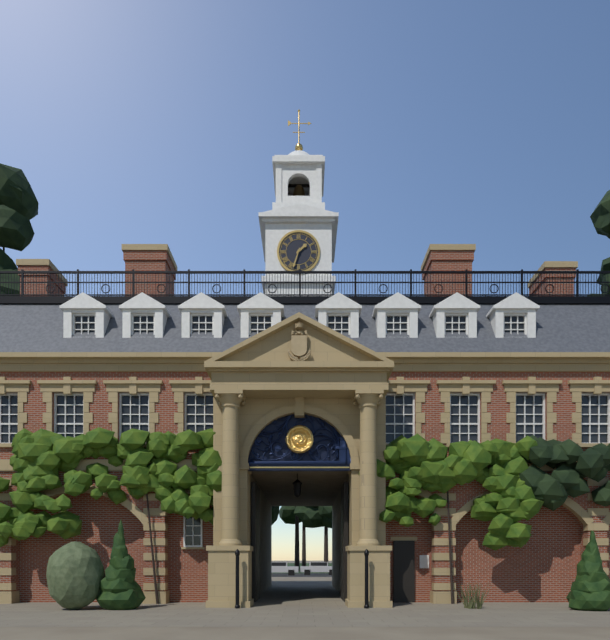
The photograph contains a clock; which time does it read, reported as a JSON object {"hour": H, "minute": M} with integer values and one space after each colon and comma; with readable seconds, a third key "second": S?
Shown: {"hour": 1, "minute": 33}
